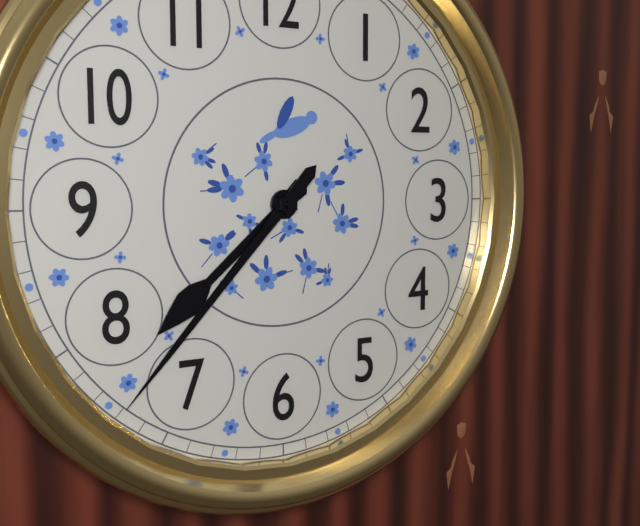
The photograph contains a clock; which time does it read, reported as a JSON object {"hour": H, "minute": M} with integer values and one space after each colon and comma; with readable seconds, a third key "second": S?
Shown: {"hour": 7, "minute": 37}
